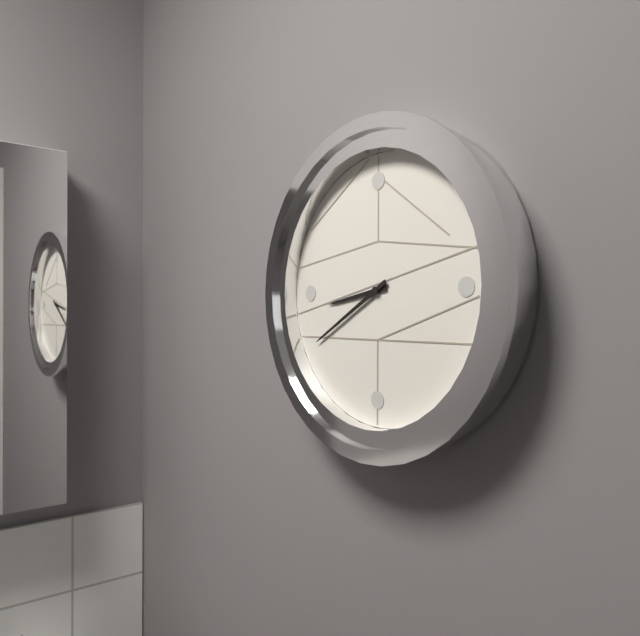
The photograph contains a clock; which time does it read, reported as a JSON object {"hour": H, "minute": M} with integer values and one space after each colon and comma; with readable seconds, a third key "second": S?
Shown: {"hour": 8, "minute": 40}
